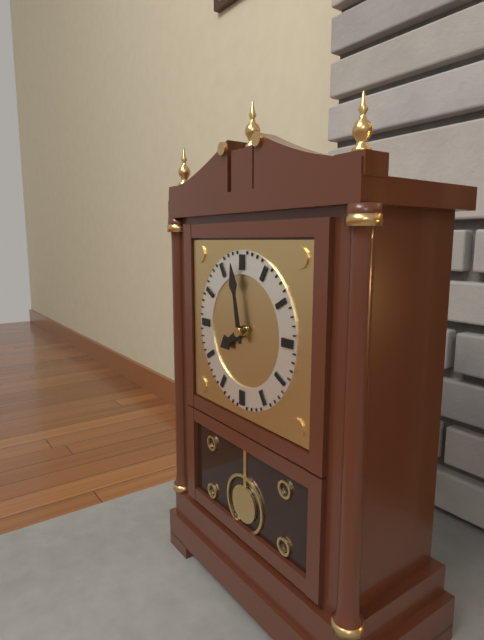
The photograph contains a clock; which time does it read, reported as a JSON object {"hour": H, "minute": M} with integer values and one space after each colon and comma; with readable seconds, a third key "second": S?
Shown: {"hour": 7, "minute": 58}
